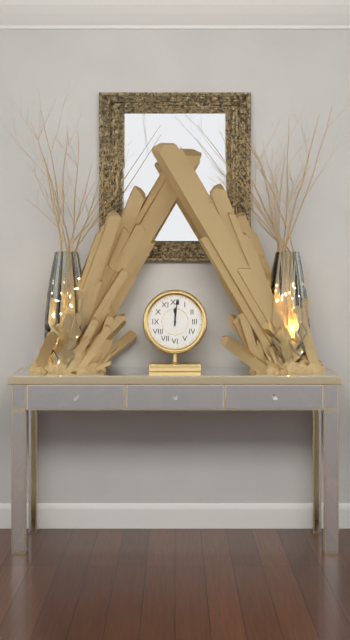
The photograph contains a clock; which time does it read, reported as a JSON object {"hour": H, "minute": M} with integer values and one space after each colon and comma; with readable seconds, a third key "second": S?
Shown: {"hour": 12, "minute": 1}
